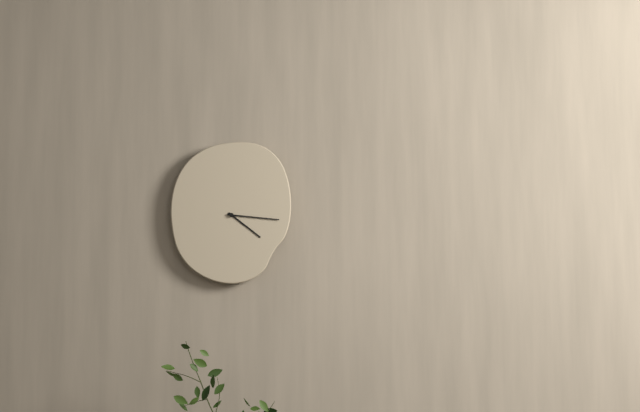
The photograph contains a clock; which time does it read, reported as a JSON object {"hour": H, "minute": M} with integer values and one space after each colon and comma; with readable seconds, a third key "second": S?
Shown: {"hour": 4, "minute": 16}
